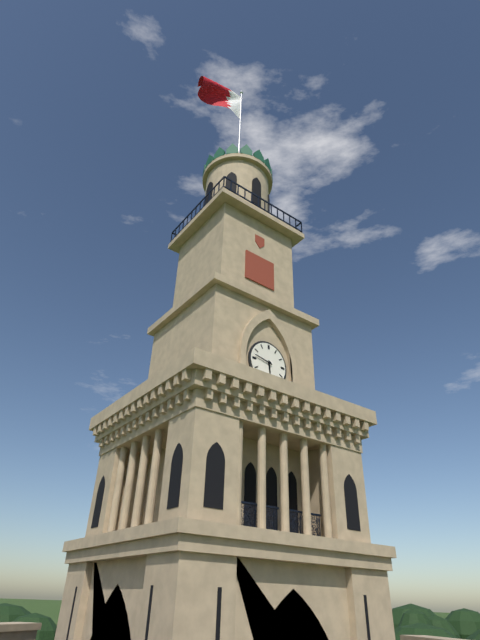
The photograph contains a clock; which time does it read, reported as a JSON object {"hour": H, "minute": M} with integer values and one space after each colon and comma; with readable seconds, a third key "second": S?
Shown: {"hour": 5, "minute": 47}
